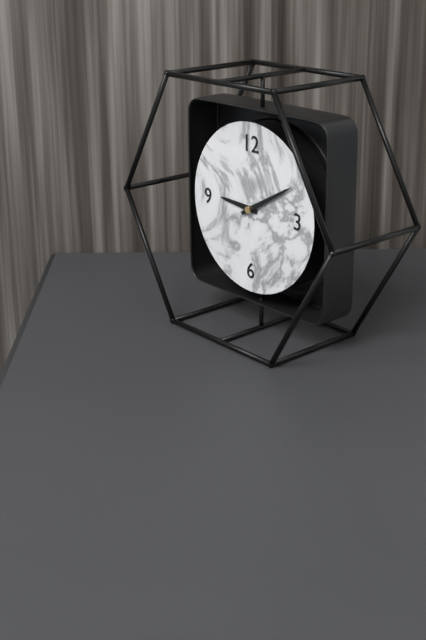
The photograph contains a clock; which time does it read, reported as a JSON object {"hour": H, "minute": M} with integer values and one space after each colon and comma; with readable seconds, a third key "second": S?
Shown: {"hour": 9, "minute": 10}
